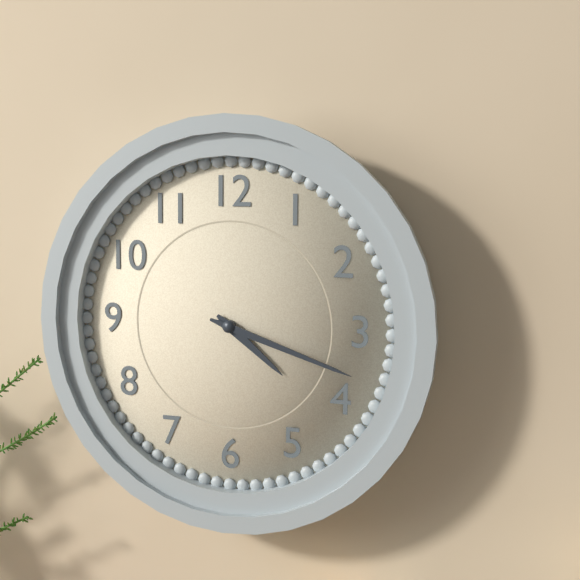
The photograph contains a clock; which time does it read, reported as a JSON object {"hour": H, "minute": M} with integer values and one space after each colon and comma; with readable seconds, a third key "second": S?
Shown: {"hour": 4, "minute": 18}
